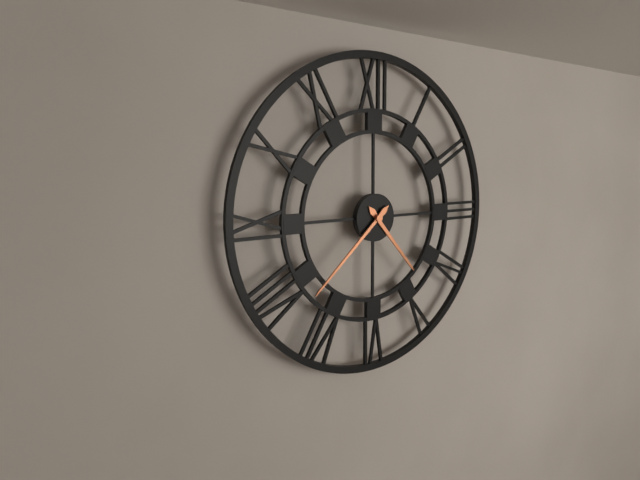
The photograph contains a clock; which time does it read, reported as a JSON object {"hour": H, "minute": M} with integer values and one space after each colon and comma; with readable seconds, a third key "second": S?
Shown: {"hour": 4, "minute": 38}
